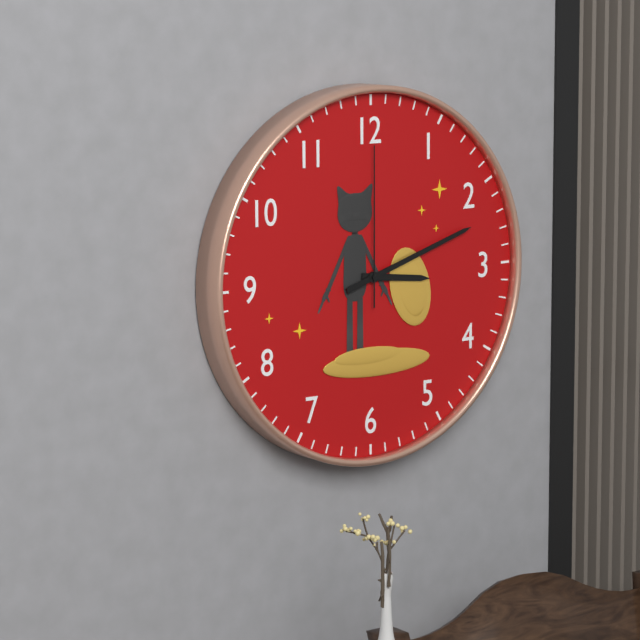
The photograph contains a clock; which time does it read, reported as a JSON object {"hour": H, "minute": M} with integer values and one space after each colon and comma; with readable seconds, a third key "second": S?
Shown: {"hour": 3, "minute": 12, "second": 0}
